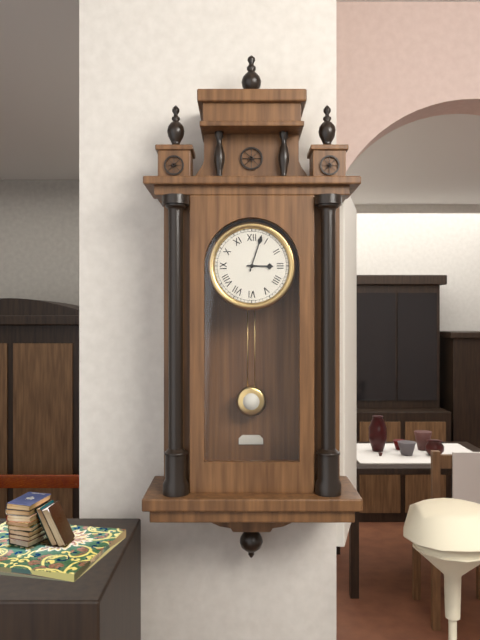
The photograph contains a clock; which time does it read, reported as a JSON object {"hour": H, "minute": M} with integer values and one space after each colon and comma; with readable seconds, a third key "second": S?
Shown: {"hour": 3, "minute": 3}
